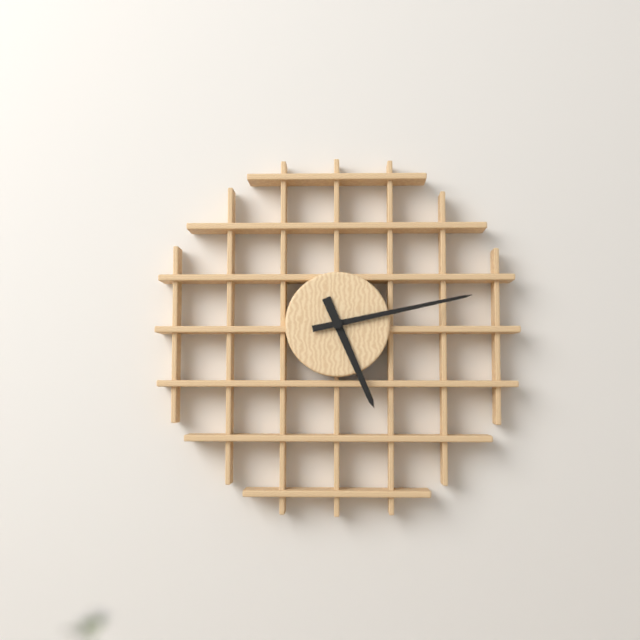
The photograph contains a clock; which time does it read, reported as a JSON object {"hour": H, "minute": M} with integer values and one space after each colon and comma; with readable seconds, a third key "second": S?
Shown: {"hour": 5, "minute": 13}
